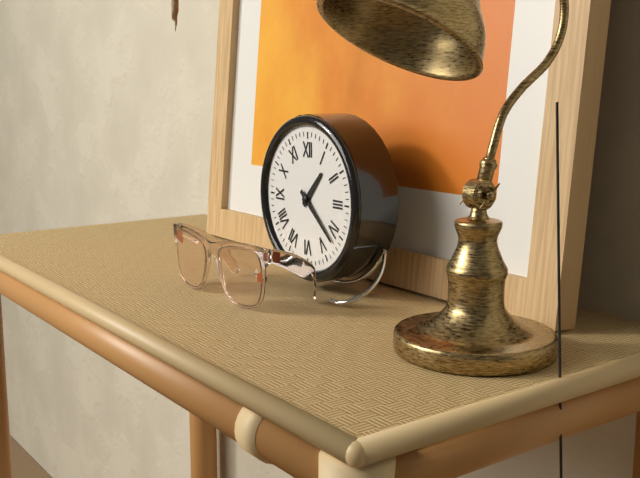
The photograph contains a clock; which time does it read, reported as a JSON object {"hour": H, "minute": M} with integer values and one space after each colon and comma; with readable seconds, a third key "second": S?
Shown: {"hour": 1, "minute": 22}
